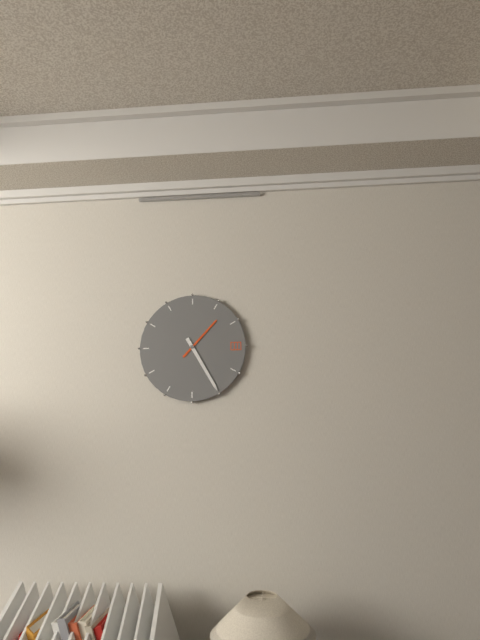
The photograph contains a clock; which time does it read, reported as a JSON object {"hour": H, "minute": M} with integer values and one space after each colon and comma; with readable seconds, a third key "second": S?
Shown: {"hour": 1, "minute": 25}
